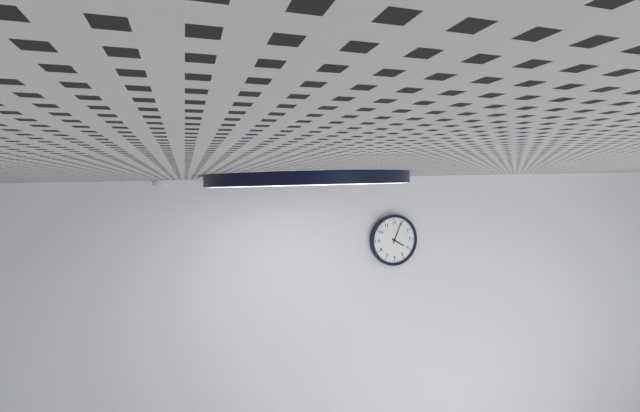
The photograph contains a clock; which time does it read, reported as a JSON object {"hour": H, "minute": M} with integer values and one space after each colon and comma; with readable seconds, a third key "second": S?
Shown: {"hour": 4, "minute": 4}
